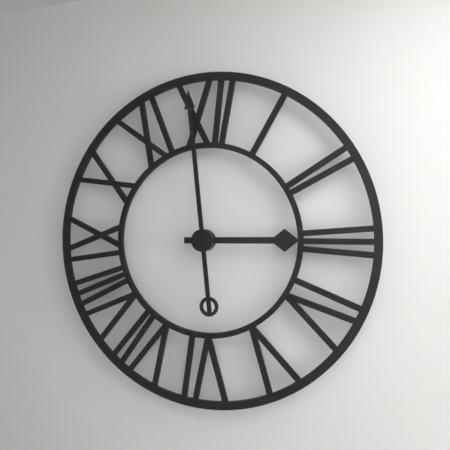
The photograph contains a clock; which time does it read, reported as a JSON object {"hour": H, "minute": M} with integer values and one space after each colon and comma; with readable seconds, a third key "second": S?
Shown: {"hour": 2, "minute": 59}
